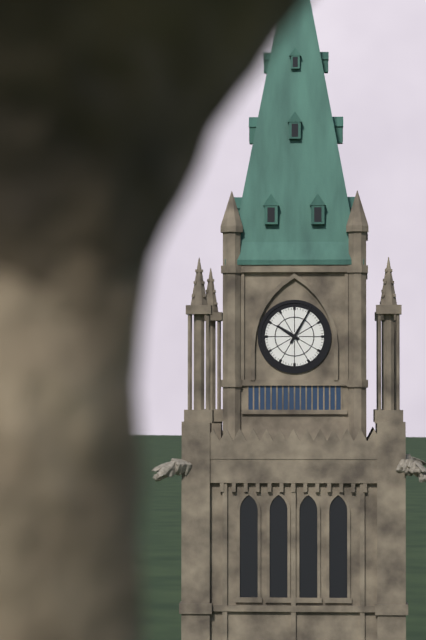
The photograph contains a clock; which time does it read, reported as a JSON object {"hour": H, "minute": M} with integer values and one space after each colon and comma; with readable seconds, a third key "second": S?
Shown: {"hour": 10, "minute": 5}
